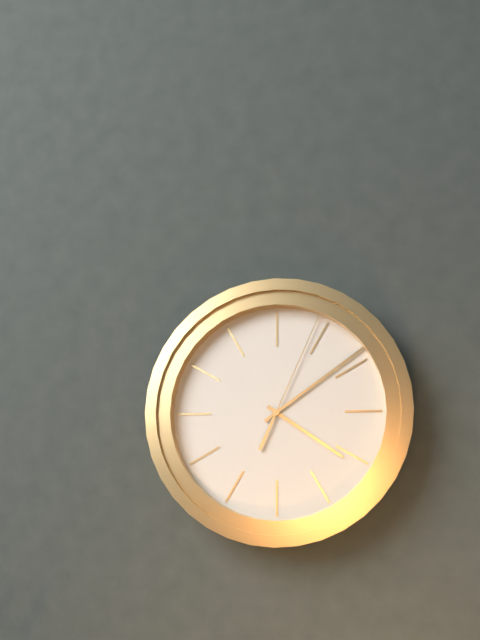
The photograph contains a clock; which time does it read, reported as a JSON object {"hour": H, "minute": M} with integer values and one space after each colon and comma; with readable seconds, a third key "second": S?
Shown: {"hour": 4, "minute": 9, "second": 4}
